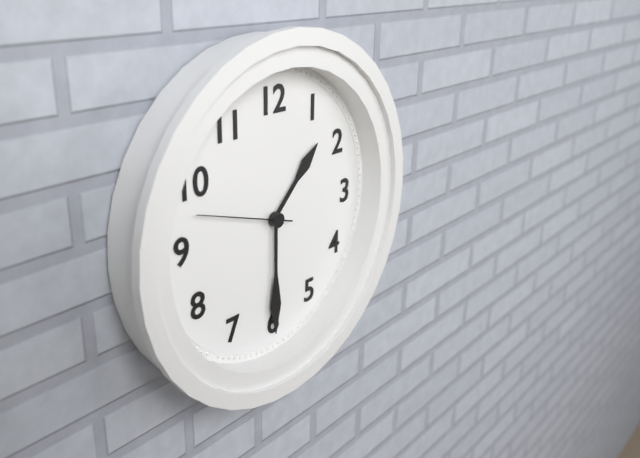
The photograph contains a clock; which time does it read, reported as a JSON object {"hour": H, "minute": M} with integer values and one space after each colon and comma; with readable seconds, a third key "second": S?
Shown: {"hour": 1, "minute": 30, "second": 48}
